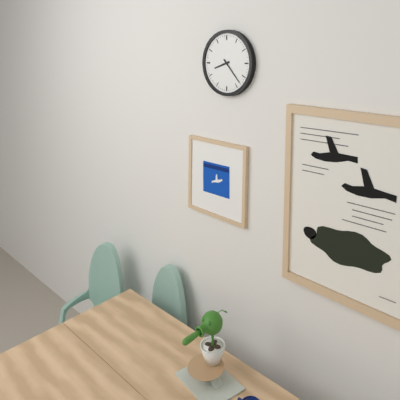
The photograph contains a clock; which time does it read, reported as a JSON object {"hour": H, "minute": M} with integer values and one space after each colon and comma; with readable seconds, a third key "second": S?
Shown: {"hour": 8, "minute": 23}
